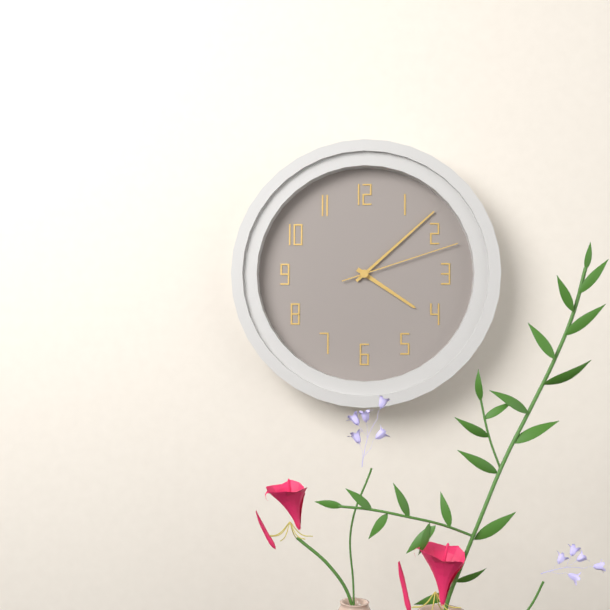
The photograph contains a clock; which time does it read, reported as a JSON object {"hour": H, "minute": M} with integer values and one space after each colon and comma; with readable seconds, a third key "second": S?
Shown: {"hour": 4, "minute": 8, "second": 12}
